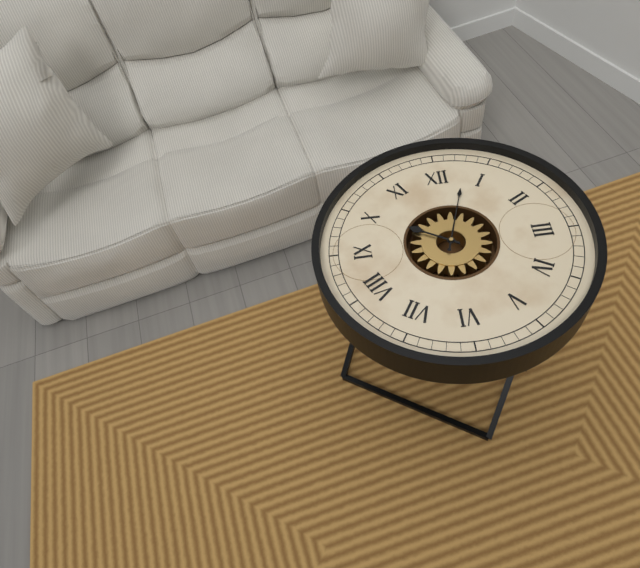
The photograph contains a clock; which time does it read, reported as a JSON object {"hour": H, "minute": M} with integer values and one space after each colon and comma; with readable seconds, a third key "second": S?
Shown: {"hour": 10, "minute": 3}
